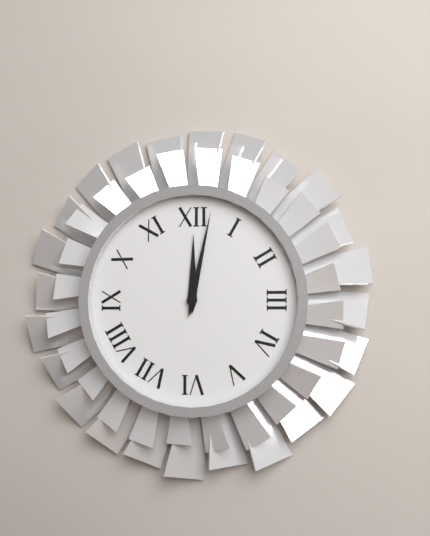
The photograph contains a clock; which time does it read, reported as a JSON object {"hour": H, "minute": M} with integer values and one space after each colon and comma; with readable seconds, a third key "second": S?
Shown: {"hour": 12, "minute": 2}
